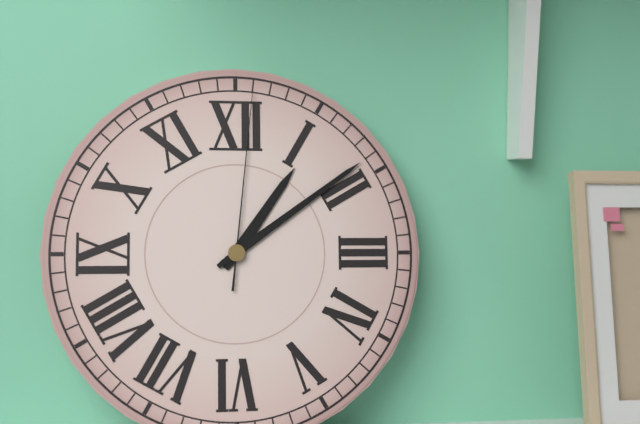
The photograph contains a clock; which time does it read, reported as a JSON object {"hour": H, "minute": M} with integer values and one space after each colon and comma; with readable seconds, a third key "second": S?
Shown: {"hour": 1, "minute": 9, "second": 1}
